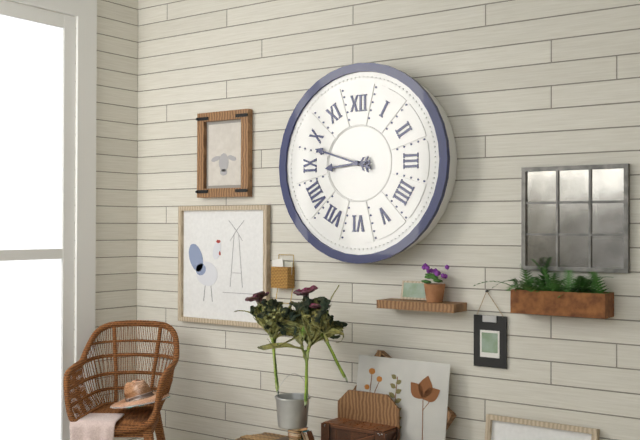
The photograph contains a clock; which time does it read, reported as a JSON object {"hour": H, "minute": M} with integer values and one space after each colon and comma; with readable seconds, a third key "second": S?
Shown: {"hour": 8, "minute": 48}
